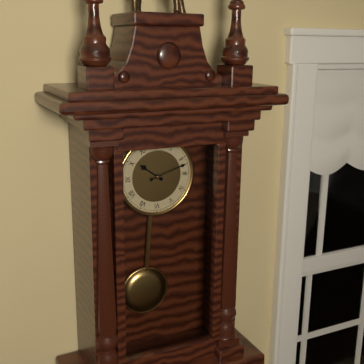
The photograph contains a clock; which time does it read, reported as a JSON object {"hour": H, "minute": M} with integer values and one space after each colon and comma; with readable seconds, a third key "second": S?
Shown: {"hour": 10, "minute": 12}
